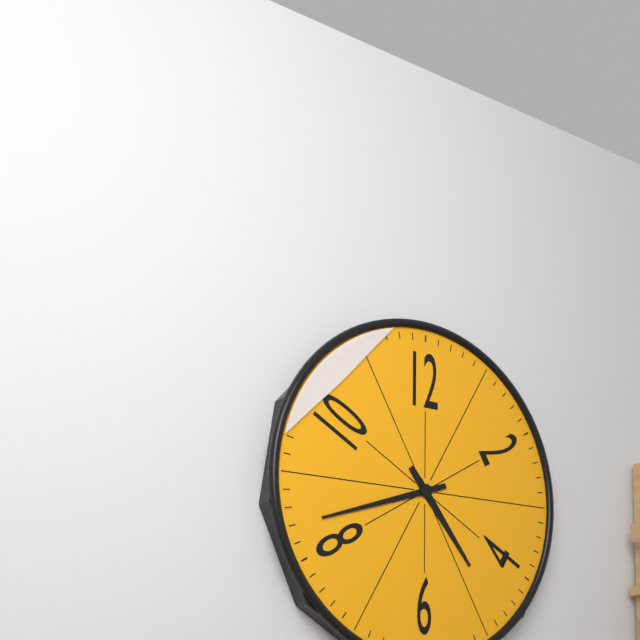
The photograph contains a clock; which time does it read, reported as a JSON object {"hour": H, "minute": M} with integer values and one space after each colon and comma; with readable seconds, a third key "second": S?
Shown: {"hour": 4, "minute": 42}
